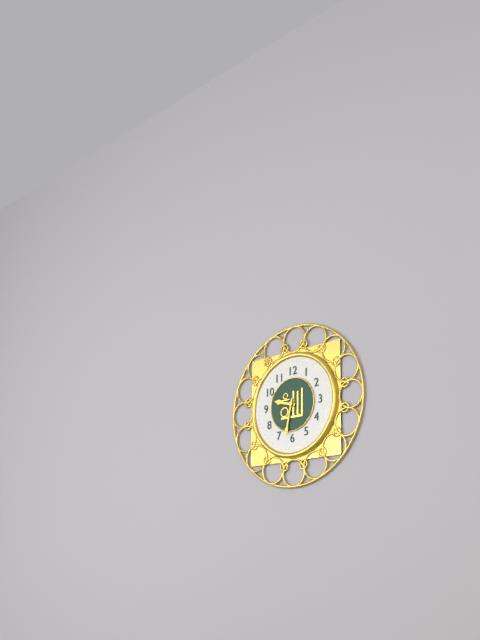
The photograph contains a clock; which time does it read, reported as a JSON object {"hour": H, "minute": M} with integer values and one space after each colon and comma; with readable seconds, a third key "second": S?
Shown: {"hour": 9, "minute": 32}
